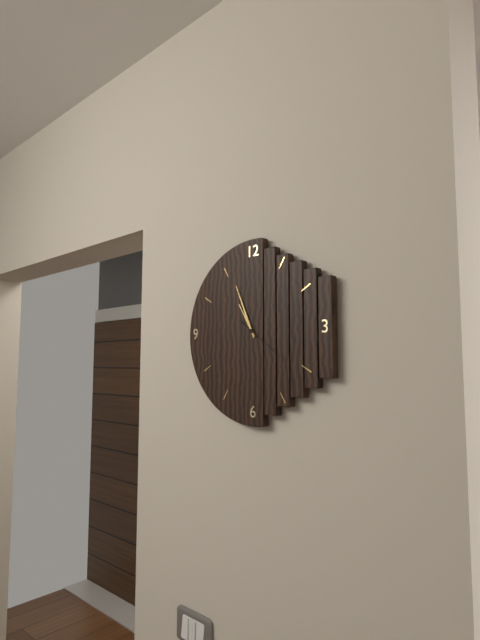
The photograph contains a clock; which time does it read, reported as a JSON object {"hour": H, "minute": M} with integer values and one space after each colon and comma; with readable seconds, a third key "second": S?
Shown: {"hour": 10, "minute": 56, "second": 21}
